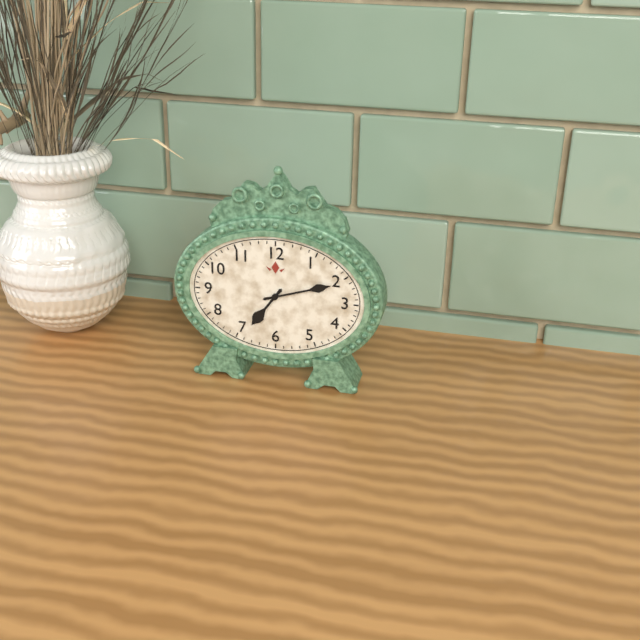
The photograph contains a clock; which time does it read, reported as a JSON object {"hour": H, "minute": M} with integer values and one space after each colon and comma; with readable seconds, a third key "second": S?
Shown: {"hour": 7, "minute": 12}
